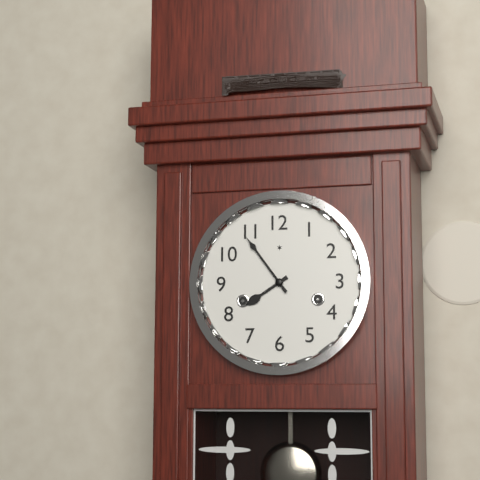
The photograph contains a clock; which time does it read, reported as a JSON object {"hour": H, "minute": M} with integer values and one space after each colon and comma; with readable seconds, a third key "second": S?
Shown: {"hour": 7, "minute": 54}
